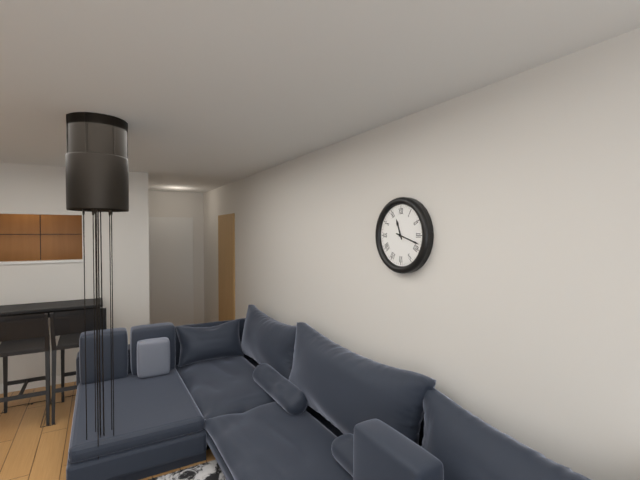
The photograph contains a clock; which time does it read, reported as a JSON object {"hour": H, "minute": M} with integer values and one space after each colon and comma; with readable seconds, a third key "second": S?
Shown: {"hour": 11, "minute": 18}
